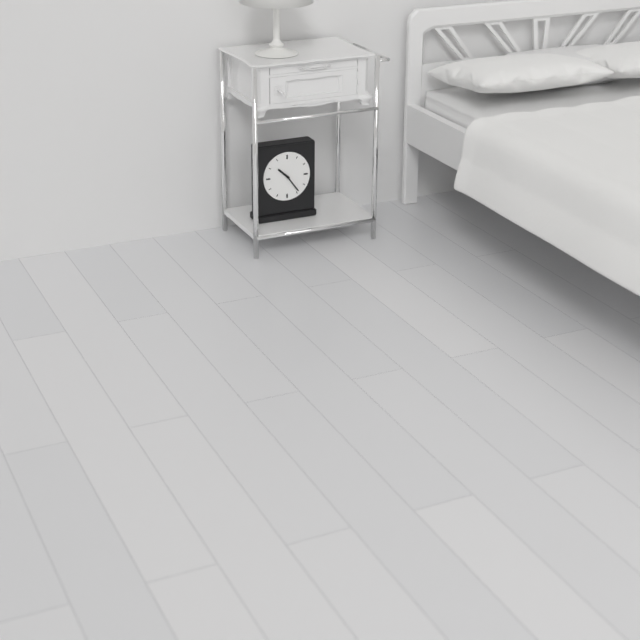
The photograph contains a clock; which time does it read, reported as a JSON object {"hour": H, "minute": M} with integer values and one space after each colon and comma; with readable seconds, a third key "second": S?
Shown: {"hour": 10, "minute": 24}
